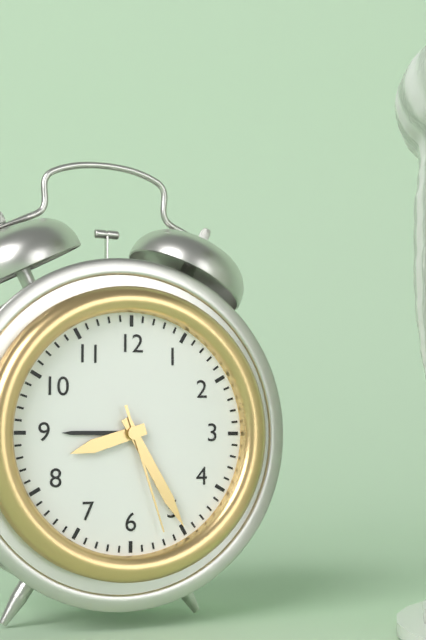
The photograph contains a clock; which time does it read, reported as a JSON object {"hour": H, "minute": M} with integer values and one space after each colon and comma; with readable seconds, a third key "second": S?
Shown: {"hour": 8, "minute": 25, "second": 27}
